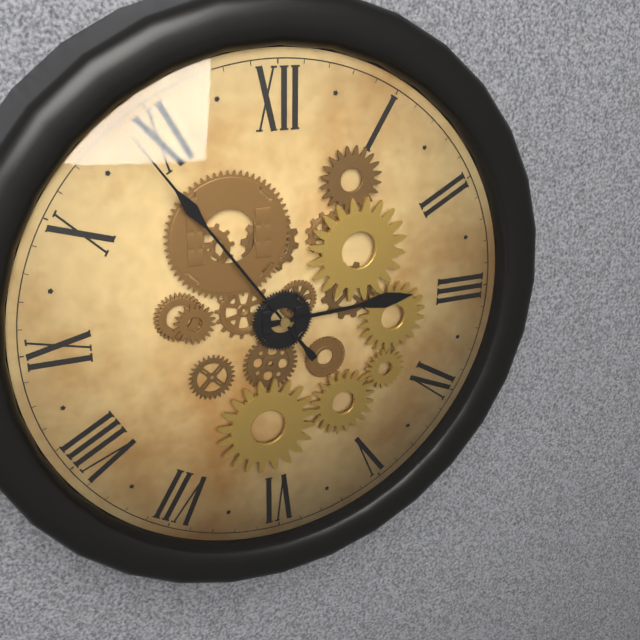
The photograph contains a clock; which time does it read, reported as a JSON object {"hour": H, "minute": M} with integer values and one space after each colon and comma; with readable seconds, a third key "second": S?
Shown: {"hour": 2, "minute": 54}
